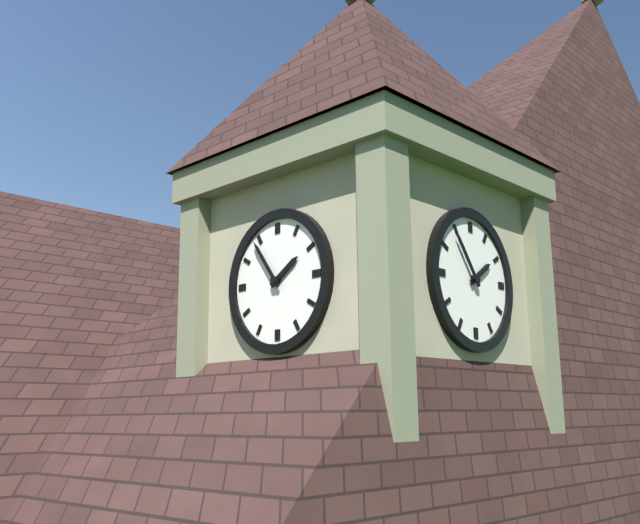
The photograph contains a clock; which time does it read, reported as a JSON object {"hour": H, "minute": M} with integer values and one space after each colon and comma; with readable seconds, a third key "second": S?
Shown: {"hour": 1, "minute": 54}
